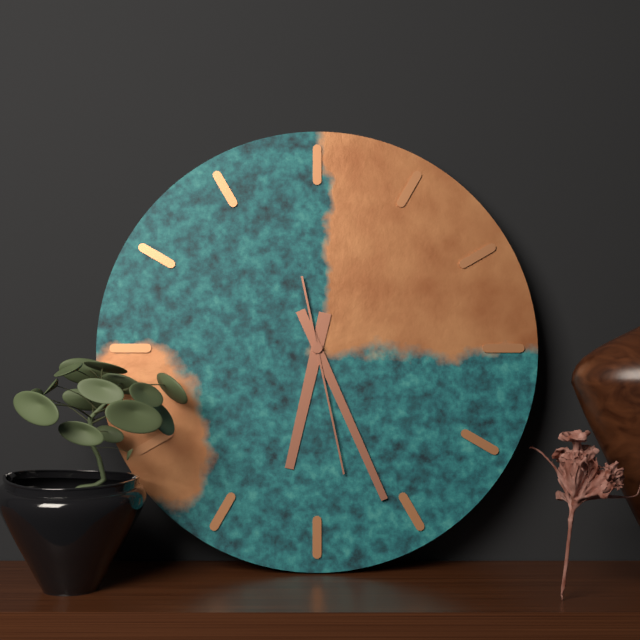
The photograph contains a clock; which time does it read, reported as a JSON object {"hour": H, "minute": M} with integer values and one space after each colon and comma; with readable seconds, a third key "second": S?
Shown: {"hour": 6, "minute": 26, "second": 28}
